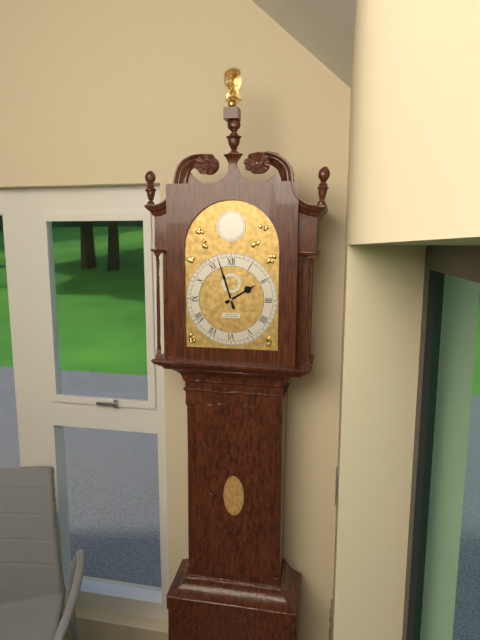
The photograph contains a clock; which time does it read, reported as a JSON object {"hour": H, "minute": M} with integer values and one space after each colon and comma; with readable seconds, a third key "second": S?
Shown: {"hour": 1, "minute": 57}
